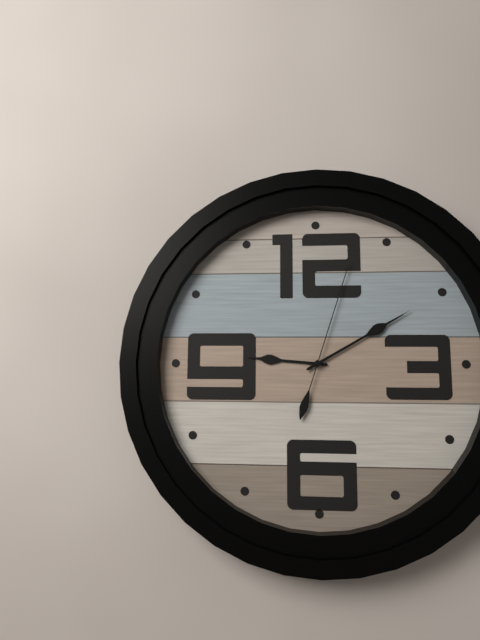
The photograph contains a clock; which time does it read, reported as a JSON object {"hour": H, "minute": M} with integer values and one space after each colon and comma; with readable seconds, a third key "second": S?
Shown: {"hour": 9, "minute": 10, "second": 3}
